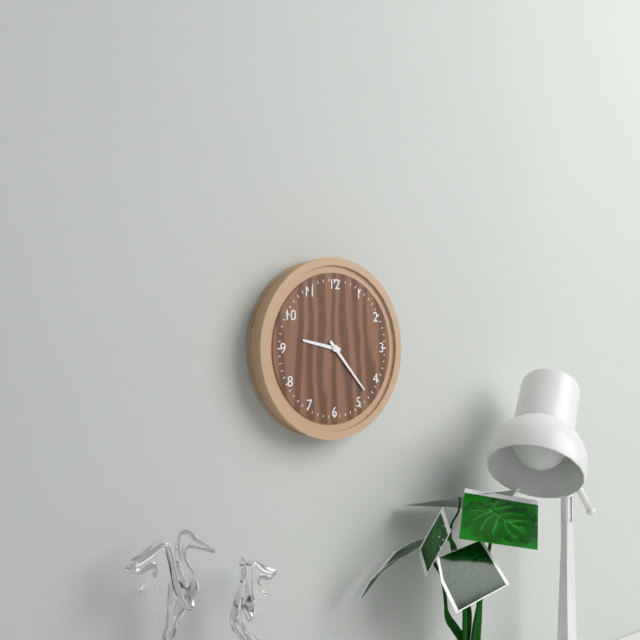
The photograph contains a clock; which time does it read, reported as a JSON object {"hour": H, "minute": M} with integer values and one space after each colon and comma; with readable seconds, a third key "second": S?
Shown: {"hour": 9, "minute": 23}
